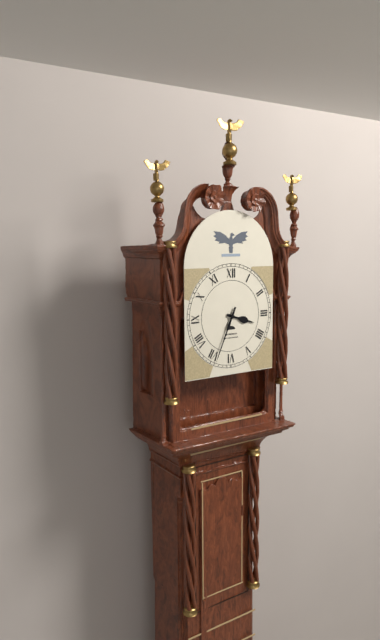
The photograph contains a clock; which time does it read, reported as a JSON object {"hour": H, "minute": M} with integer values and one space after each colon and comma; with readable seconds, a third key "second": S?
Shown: {"hour": 3, "minute": 34}
